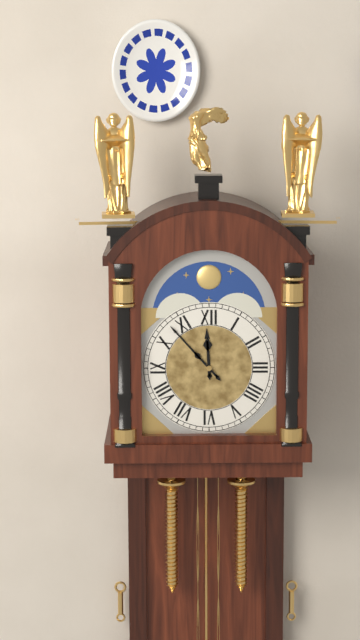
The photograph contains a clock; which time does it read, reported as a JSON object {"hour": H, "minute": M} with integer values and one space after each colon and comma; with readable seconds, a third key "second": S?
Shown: {"hour": 11, "minute": 53}
